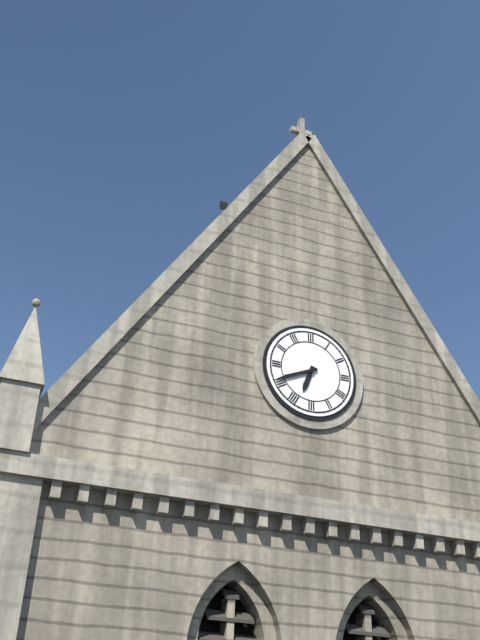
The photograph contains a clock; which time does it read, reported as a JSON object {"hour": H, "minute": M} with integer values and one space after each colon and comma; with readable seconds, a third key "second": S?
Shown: {"hour": 6, "minute": 41}
